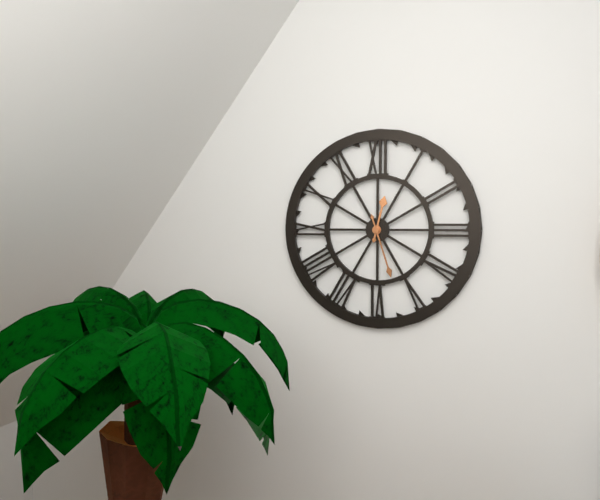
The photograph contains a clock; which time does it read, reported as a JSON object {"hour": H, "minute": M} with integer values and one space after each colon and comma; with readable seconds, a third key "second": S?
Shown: {"hour": 12, "minute": 27}
